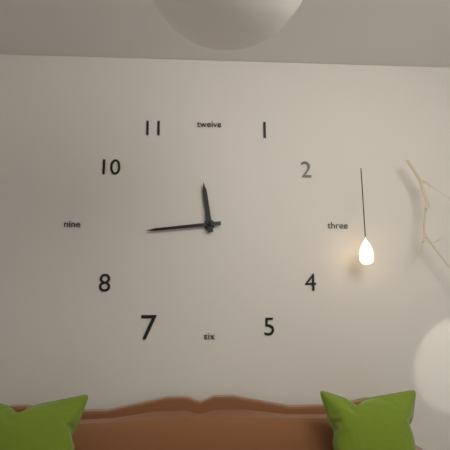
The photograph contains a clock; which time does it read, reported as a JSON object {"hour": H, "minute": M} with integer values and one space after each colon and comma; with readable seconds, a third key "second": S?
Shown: {"hour": 11, "minute": 44}
